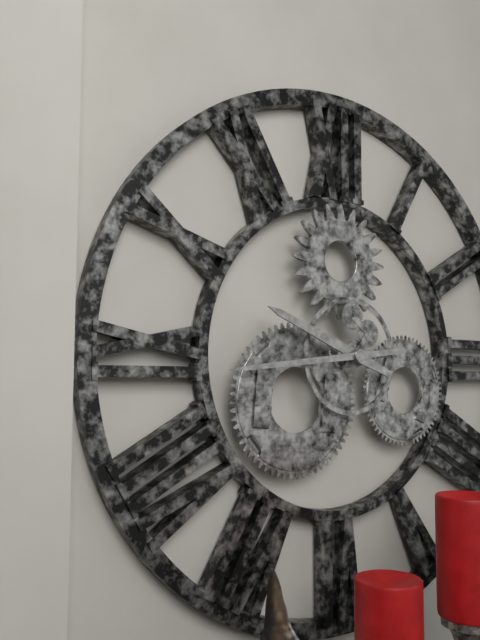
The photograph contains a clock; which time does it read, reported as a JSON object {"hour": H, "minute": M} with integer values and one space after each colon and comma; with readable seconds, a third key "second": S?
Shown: {"hour": 9, "minute": 44}
